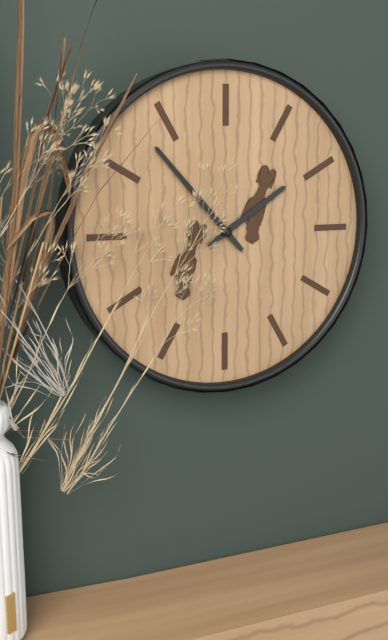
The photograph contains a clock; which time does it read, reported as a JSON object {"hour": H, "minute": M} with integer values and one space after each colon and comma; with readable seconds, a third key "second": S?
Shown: {"hour": 1, "minute": 53}
